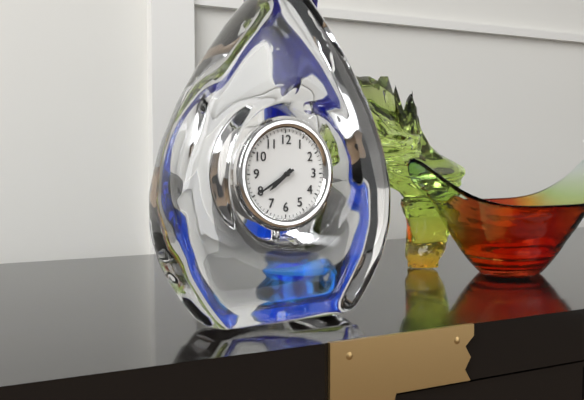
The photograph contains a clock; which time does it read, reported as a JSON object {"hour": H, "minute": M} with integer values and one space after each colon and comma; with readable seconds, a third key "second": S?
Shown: {"hour": 7, "minute": 40}
